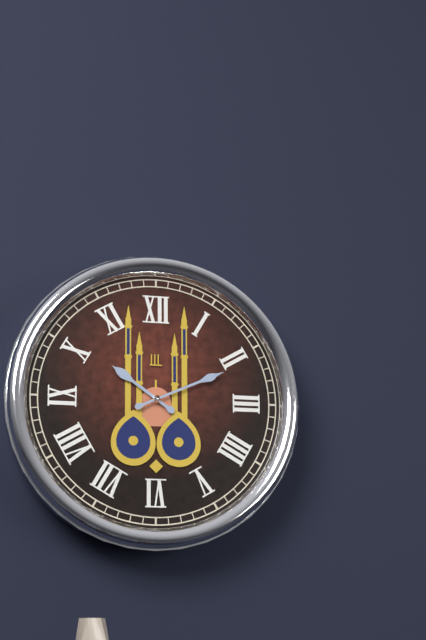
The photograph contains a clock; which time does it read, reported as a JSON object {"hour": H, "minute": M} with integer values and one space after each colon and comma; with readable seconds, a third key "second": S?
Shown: {"hour": 10, "minute": 11}
